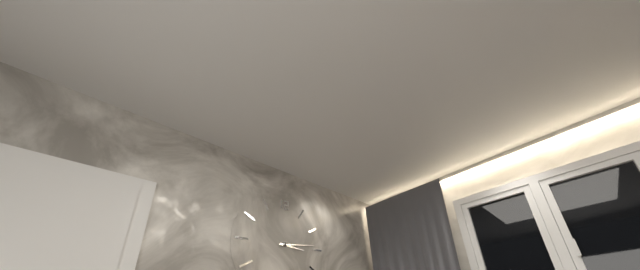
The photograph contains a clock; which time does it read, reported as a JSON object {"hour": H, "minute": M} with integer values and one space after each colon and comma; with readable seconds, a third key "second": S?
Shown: {"hour": 3, "minute": 14}
